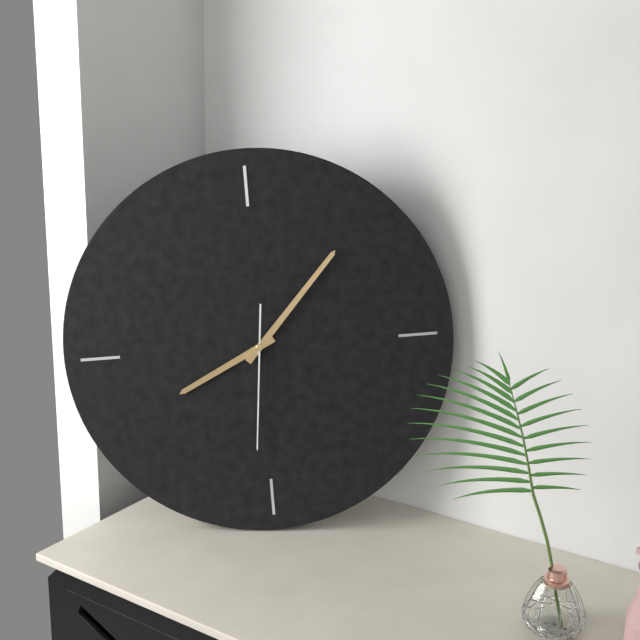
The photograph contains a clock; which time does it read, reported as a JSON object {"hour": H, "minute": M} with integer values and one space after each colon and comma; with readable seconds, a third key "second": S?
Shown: {"hour": 8, "minute": 7, "second": 31}
